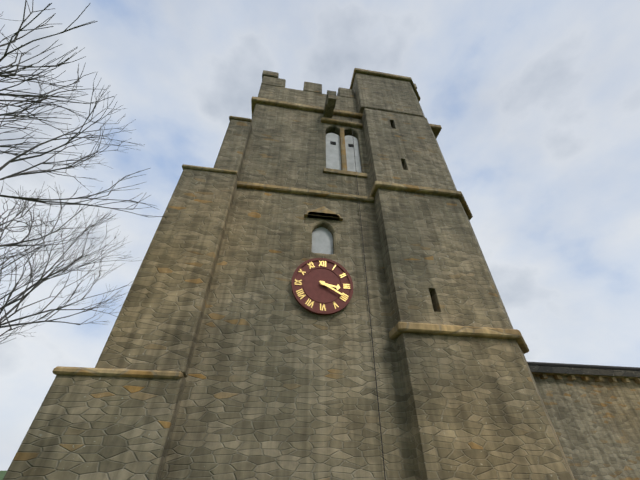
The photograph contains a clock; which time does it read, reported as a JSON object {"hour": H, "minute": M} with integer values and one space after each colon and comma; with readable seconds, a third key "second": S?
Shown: {"hour": 3, "minute": 20}
